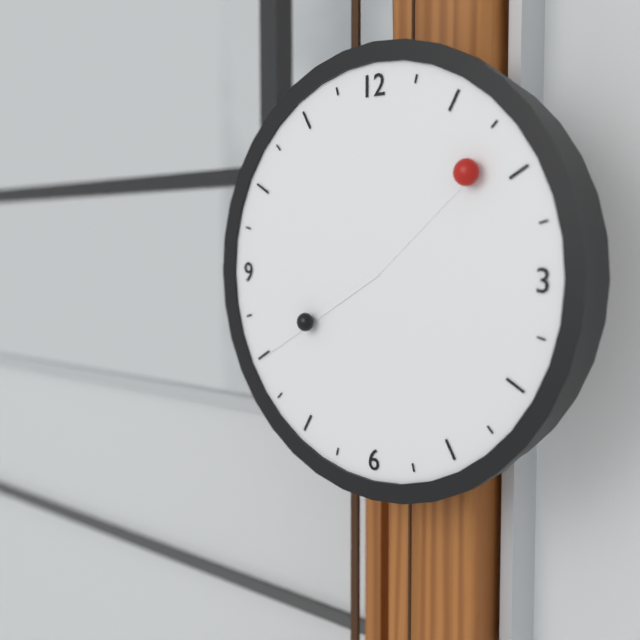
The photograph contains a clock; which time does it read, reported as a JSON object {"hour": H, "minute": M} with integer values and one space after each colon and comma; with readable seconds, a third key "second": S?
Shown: {"hour": 1, "minute": 40}
